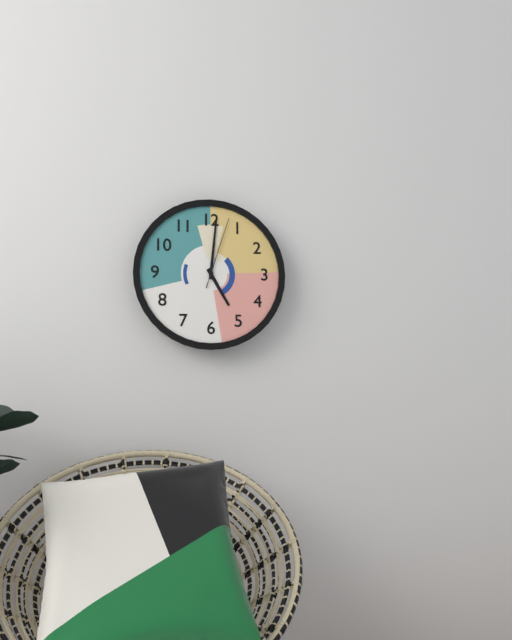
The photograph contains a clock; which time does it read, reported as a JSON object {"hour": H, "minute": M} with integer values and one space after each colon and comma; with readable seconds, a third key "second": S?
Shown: {"hour": 5, "minute": 1, "second": 3}
